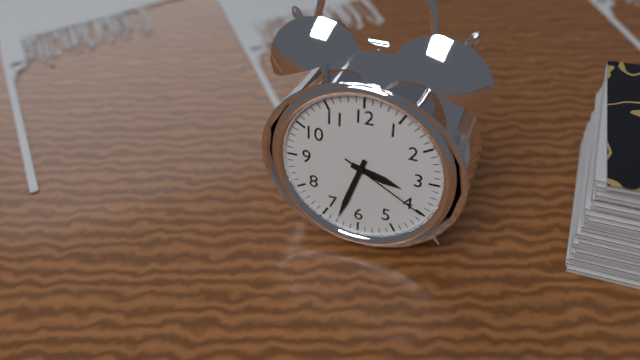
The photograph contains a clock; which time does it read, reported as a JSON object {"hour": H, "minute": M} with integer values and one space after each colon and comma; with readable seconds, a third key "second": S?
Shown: {"hour": 3, "minute": 33, "second": 20}
